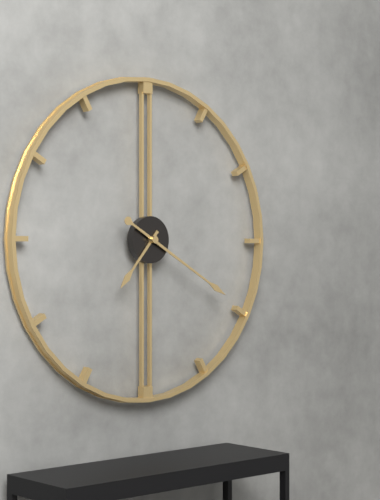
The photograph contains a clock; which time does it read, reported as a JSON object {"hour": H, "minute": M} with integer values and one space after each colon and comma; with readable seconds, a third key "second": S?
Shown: {"hour": 7, "minute": 20}
